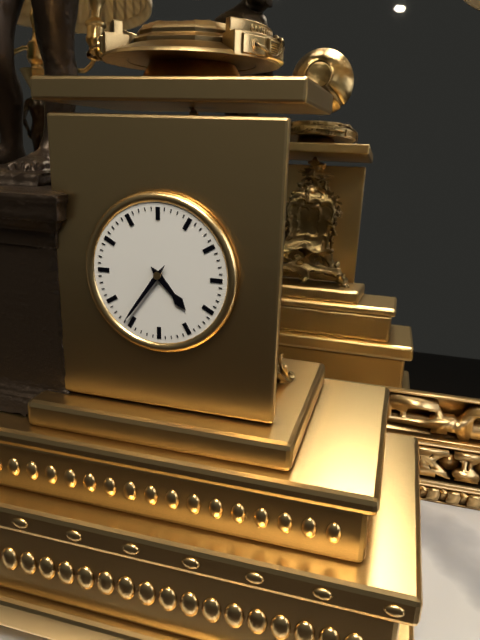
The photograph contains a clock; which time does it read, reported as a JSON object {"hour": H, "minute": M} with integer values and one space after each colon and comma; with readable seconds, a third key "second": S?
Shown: {"hour": 4, "minute": 36}
